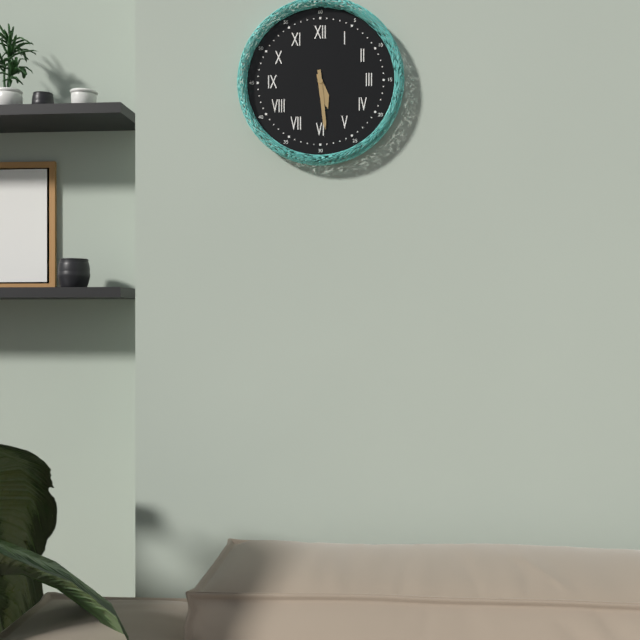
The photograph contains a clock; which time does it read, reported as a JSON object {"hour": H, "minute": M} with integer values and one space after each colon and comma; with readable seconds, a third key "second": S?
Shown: {"hour": 5, "minute": 29}
